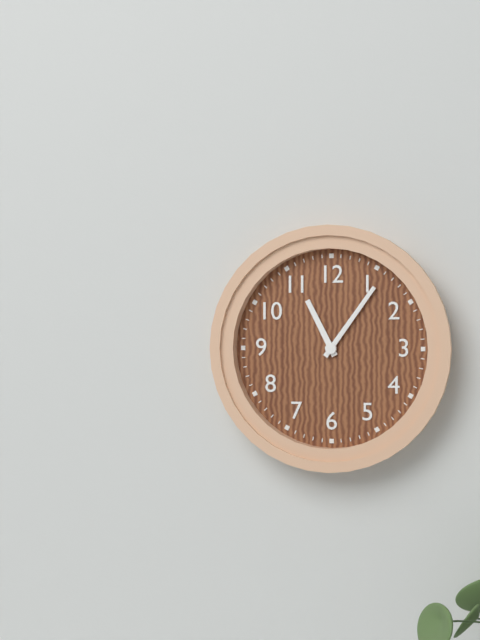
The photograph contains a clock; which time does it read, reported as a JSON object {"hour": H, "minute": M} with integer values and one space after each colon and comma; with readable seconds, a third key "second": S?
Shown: {"hour": 11, "minute": 6}
